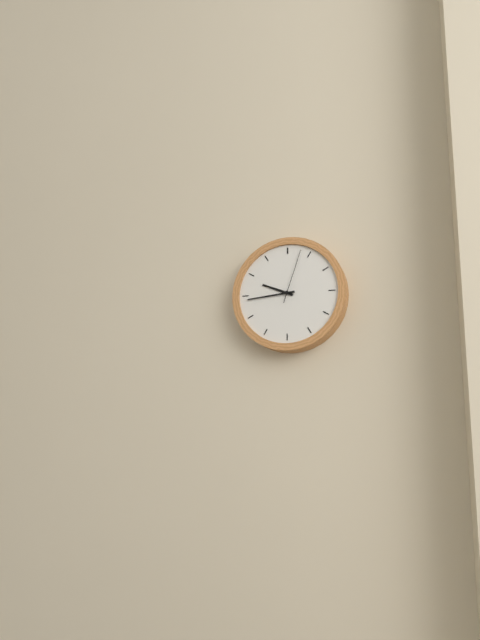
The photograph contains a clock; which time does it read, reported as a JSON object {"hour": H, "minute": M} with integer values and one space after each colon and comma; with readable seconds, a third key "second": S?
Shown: {"hour": 9, "minute": 44, "second": 3}
